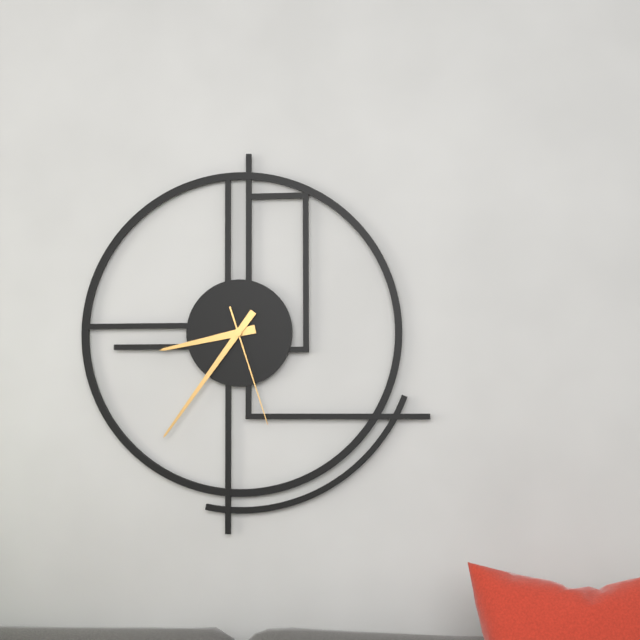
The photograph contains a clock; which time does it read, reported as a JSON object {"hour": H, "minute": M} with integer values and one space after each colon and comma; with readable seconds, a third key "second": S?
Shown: {"hour": 8, "minute": 36, "second": 27}
